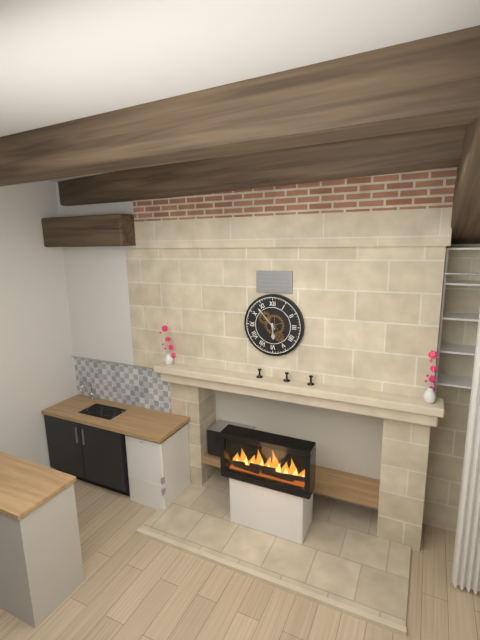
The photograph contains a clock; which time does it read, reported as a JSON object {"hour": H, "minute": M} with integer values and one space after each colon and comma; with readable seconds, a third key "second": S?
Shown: {"hour": 5, "minute": 53}
